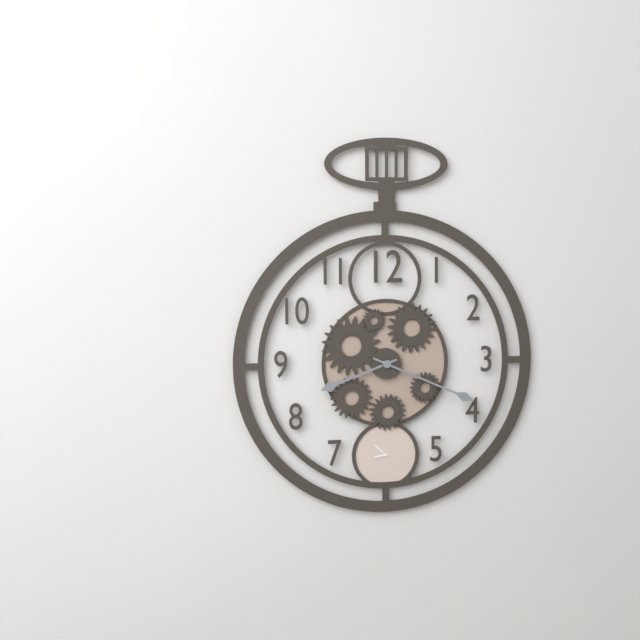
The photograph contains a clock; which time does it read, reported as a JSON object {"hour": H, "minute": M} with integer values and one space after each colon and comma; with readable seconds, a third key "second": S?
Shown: {"hour": 8, "minute": 19}
